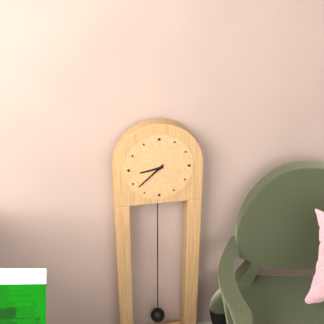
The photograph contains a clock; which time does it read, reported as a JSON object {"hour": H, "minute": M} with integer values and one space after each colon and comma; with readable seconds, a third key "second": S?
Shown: {"hour": 8, "minute": 38}
